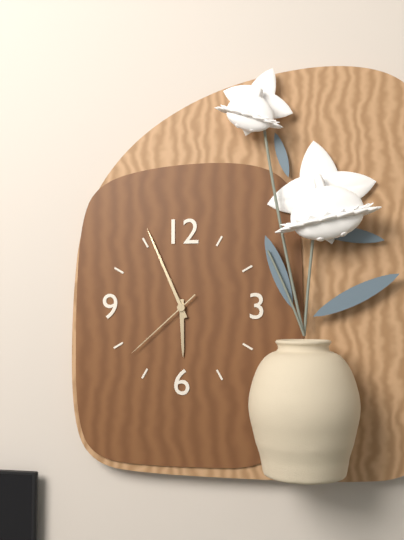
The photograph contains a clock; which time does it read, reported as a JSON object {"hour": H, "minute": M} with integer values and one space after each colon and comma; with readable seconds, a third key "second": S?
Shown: {"hour": 5, "minute": 56, "second": 38}
